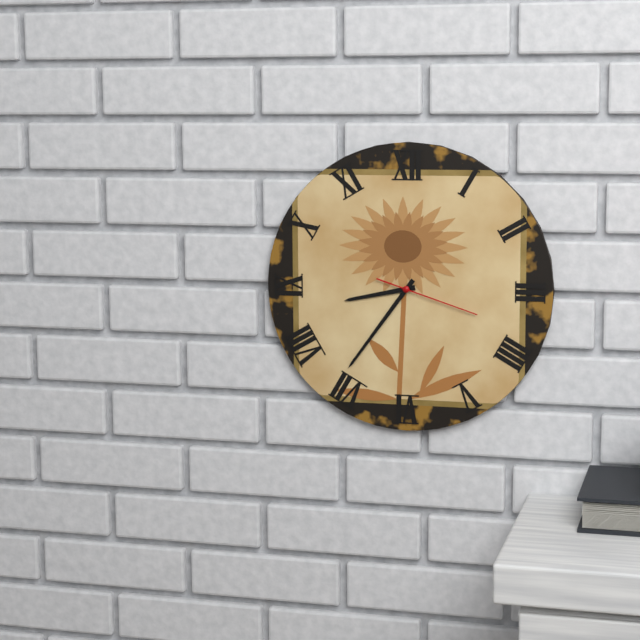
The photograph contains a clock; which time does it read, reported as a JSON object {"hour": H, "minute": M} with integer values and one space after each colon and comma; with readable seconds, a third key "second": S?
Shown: {"hour": 8, "minute": 36, "second": 18}
